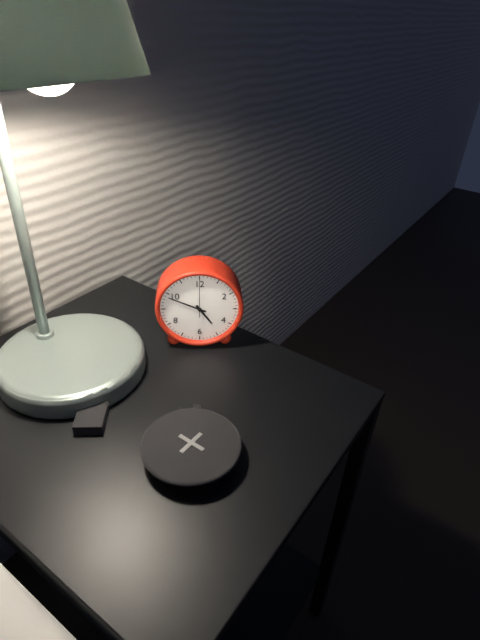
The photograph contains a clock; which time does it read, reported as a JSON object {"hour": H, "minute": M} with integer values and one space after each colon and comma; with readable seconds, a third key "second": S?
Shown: {"hour": 4, "minute": 49}
